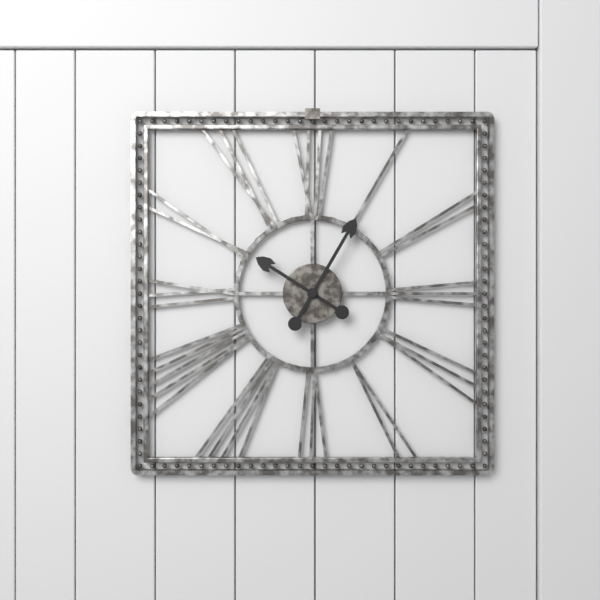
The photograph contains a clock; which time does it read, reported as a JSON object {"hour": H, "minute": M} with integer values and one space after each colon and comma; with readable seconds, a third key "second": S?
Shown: {"hour": 10, "minute": 5}
